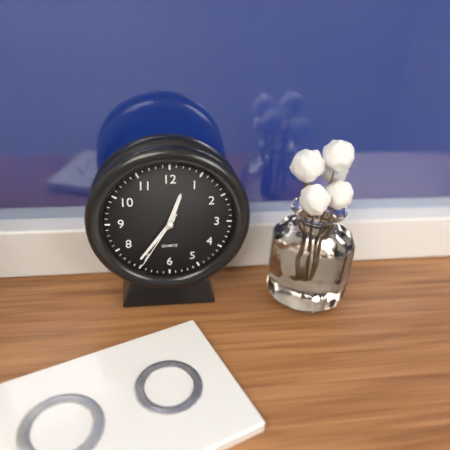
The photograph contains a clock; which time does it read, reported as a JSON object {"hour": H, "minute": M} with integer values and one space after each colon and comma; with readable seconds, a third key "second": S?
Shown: {"hour": 12, "minute": 36, "second": 35}
